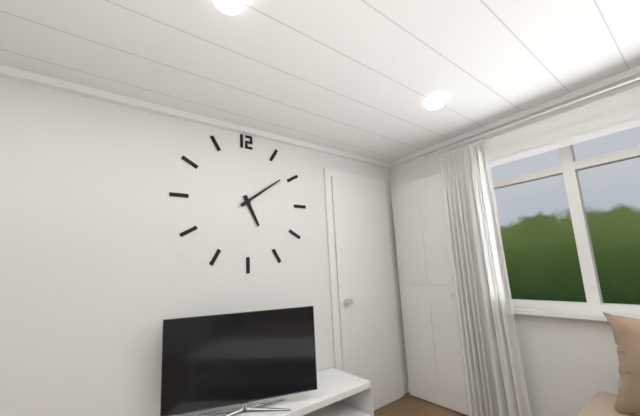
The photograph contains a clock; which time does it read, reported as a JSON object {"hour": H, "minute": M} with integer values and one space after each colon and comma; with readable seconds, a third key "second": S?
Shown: {"hour": 5, "minute": 9}
